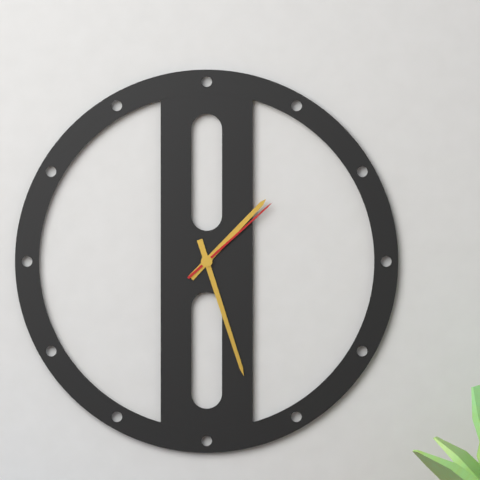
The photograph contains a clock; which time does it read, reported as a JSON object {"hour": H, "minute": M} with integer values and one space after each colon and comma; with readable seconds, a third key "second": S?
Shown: {"hour": 1, "minute": 27, "second": 8}
